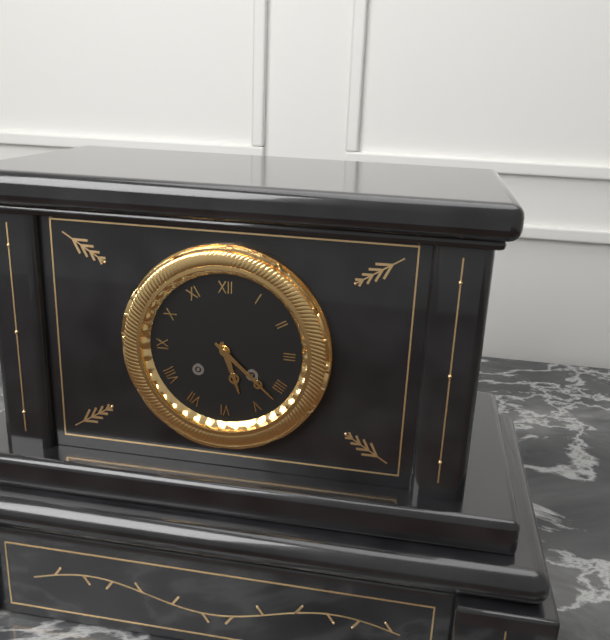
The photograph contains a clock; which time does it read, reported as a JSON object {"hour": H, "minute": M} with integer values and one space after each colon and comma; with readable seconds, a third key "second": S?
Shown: {"hour": 5, "minute": 22}
